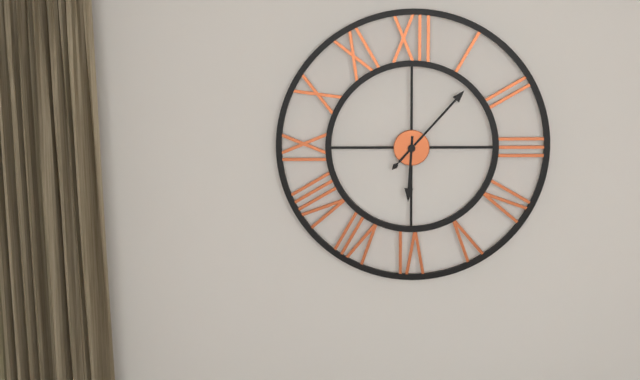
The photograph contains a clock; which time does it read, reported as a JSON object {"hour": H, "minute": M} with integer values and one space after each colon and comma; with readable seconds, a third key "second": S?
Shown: {"hour": 6, "minute": 7}
